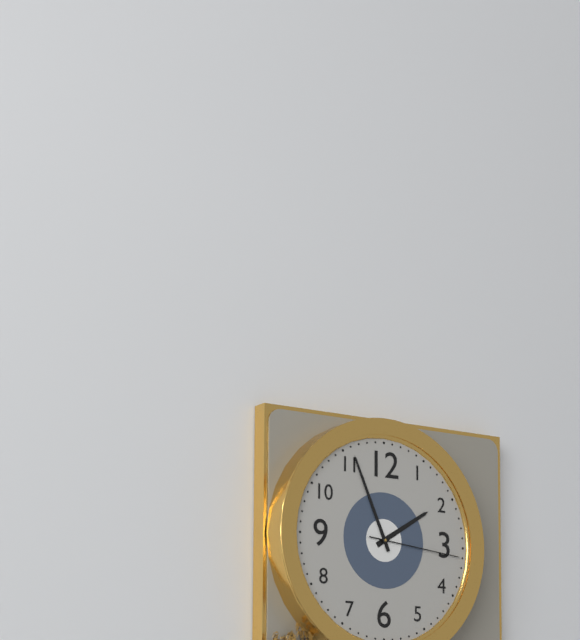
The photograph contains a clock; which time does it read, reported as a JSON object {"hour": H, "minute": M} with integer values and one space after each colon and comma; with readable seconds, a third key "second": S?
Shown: {"hour": 1, "minute": 56, "second": 16}
